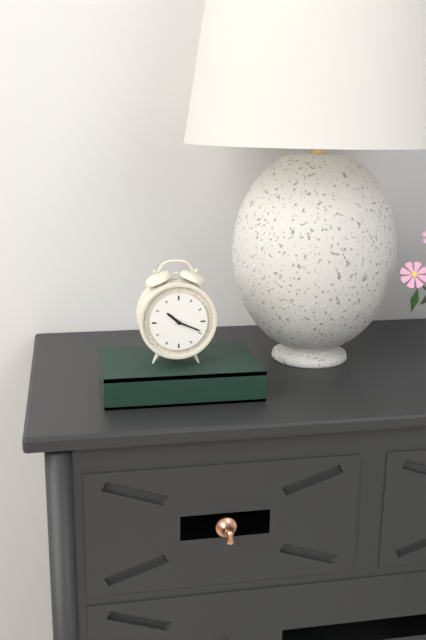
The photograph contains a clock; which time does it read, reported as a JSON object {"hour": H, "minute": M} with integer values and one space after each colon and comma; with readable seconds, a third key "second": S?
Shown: {"hour": 10, "minute": 19}
